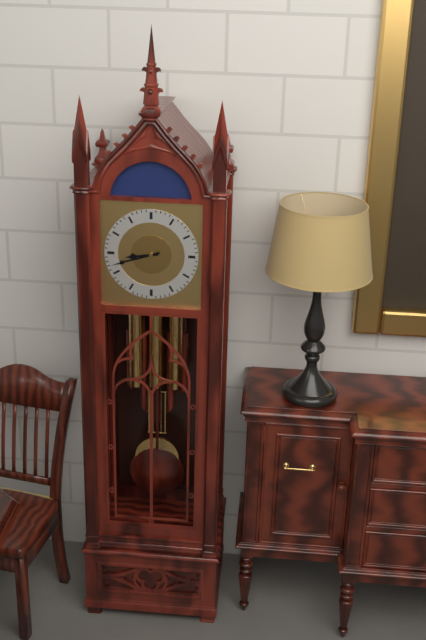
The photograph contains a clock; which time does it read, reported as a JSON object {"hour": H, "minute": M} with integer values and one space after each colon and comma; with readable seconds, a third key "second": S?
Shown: {"hour": 8, "minute": 42}
